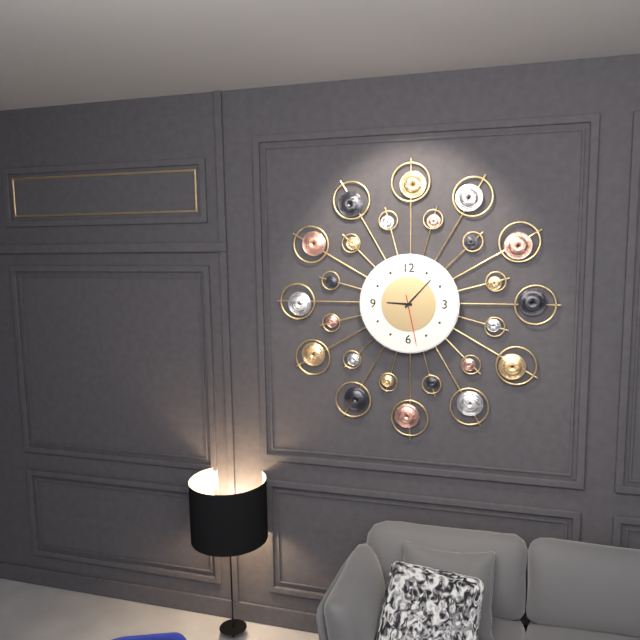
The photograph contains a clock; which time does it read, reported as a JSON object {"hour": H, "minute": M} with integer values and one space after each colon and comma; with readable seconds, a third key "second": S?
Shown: {"hour": 9, "minute": 7, "second": 28}
